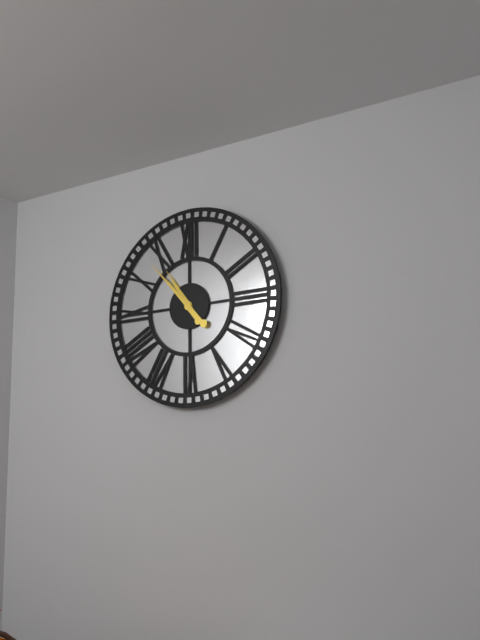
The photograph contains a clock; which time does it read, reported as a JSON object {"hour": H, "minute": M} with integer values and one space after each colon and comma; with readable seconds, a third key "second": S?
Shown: {"hour": 10, "minute": 53}
